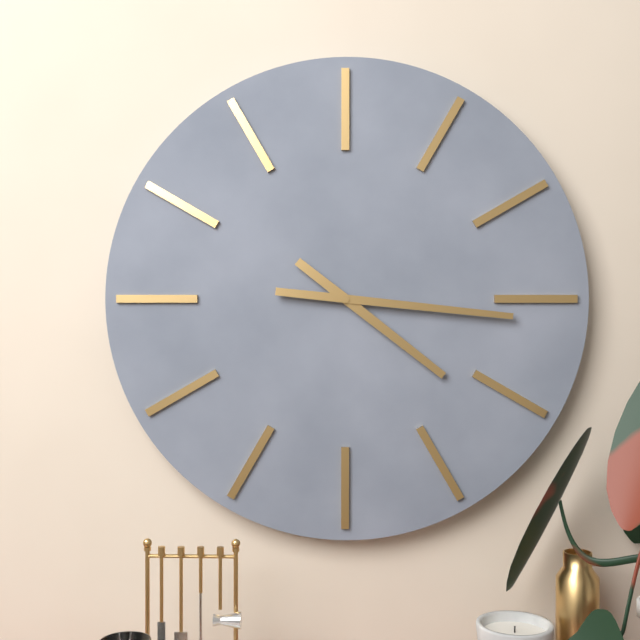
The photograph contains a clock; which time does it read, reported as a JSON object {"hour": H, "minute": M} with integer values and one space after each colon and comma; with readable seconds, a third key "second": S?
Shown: {"hour": 4, "minute": 16}
